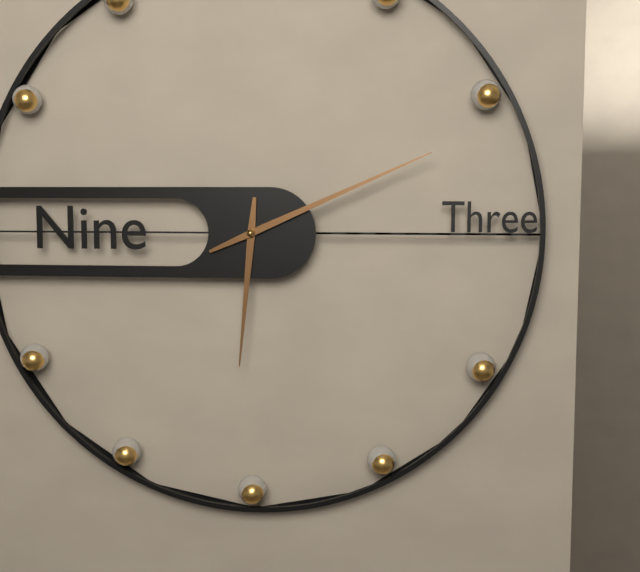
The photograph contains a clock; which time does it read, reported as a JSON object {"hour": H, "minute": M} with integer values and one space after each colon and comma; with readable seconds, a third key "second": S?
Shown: {"hour": 6, "minute": 11}
